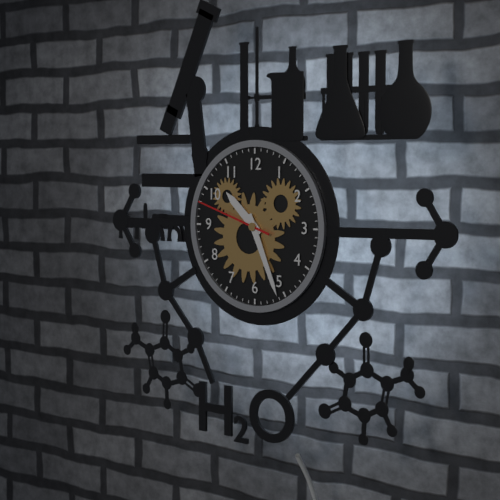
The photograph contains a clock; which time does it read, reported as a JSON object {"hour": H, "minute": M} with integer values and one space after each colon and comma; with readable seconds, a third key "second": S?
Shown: {"hour": 10, "minute": 26, "second": 48}
